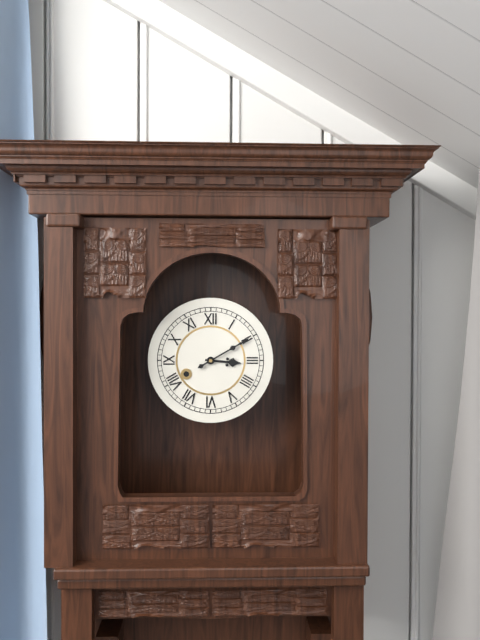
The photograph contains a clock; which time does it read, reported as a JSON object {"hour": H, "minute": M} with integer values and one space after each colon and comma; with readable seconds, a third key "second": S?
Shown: {"hour": 3, "minute": 10}
